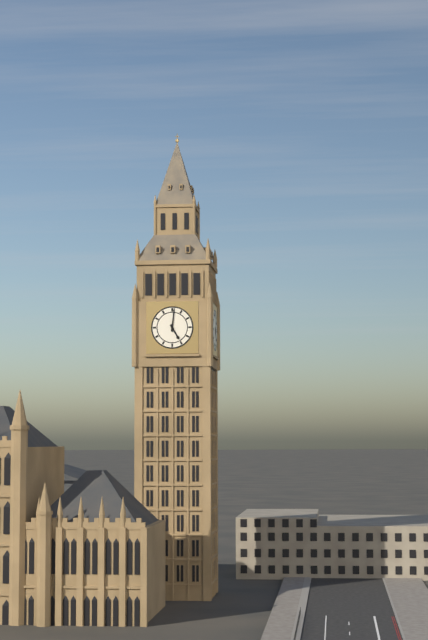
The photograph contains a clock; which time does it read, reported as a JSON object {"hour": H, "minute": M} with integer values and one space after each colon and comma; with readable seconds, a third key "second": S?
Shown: {"hour": 5, "minute": 1}
